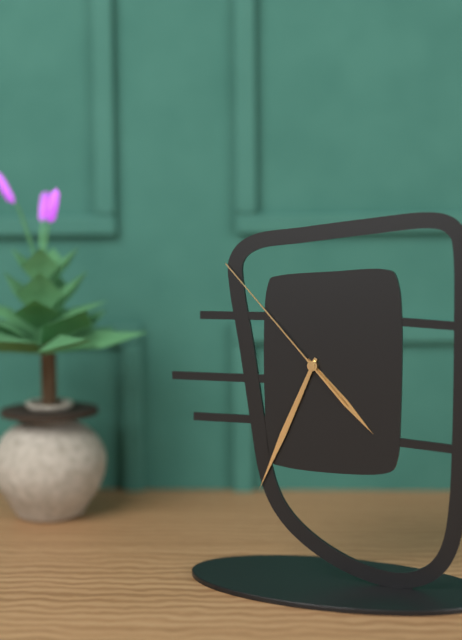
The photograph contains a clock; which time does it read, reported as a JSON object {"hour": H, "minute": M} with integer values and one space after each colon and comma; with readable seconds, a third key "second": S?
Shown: {"hour": 4, "minute": 34, "second": 53}
